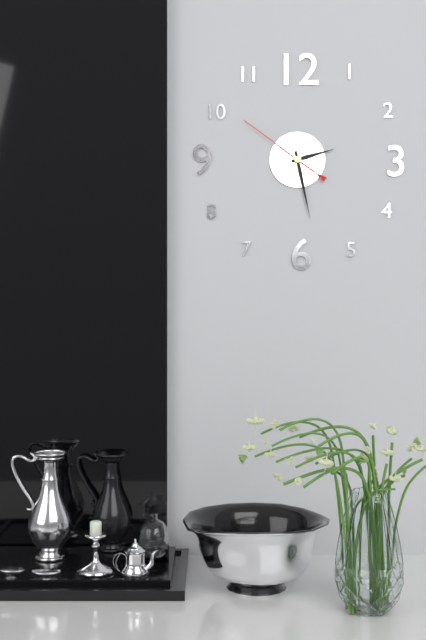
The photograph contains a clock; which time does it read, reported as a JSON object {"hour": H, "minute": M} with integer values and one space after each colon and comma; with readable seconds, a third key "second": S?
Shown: {"hour": 2, "minute": 28, "second": 51}
